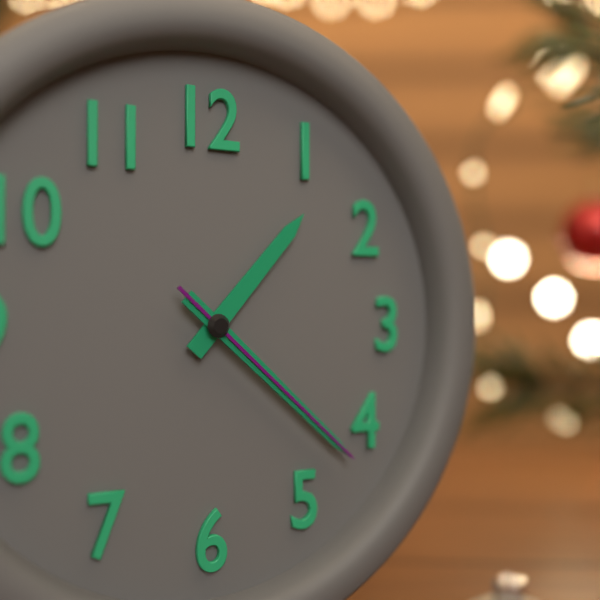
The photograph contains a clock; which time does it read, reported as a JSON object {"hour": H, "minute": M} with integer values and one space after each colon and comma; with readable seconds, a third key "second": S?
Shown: {"hour": 1, "minute": 22, "second": 22}
